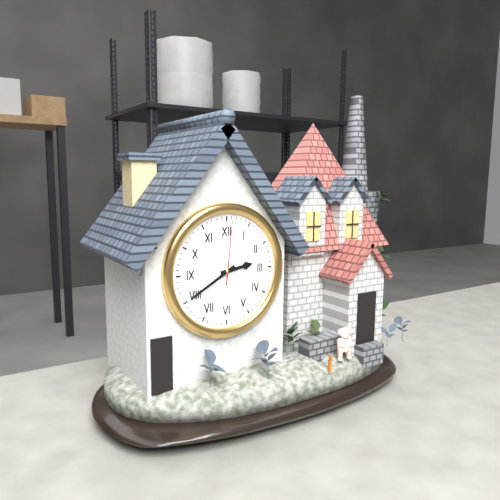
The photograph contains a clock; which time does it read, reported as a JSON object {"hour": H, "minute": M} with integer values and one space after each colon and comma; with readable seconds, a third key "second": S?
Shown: {"hour": 2, "minute": 40, "second": 1}
